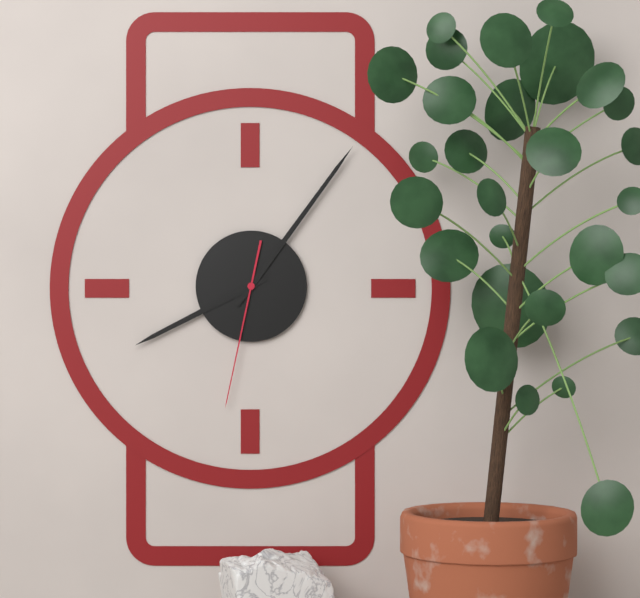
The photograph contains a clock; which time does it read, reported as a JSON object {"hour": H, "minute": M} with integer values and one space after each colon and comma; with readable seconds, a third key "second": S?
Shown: {"hour": 8, "minute": 6, "second": 32}
